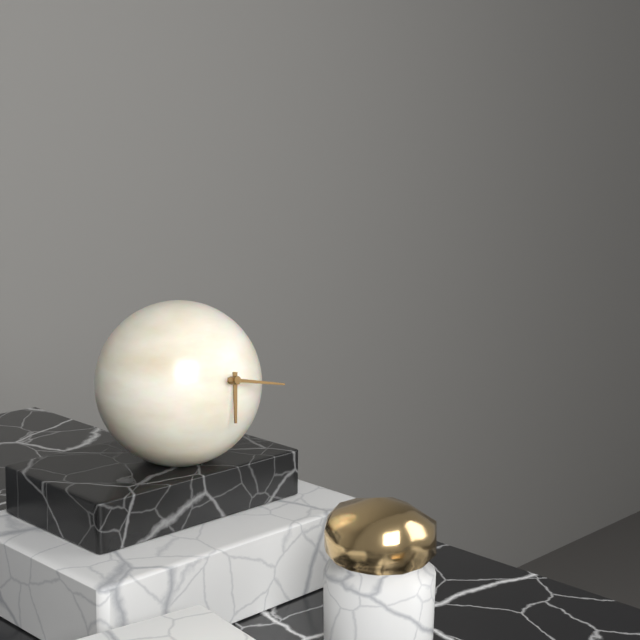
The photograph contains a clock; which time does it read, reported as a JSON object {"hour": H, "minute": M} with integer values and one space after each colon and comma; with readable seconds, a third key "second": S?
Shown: {"hour": 6, "minute": 17}
